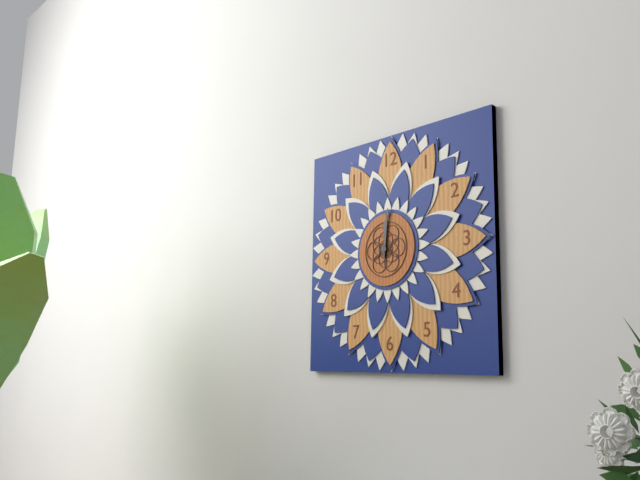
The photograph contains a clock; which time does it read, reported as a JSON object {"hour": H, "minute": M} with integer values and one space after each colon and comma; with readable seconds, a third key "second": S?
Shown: {"hour": 12, "minute": 1}
